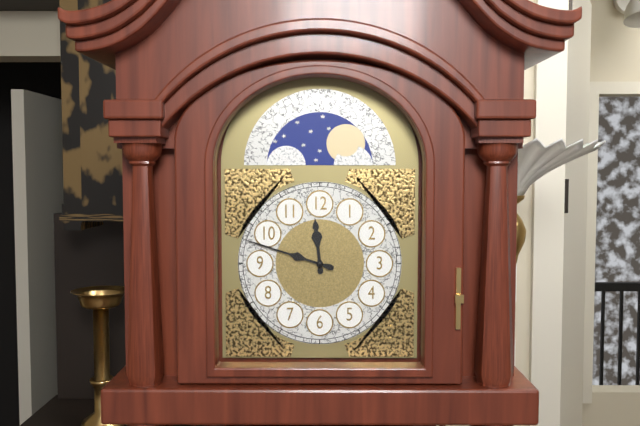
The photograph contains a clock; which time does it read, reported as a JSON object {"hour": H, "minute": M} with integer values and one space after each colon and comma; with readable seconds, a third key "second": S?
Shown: {"hour": 11, "minute": 48}
